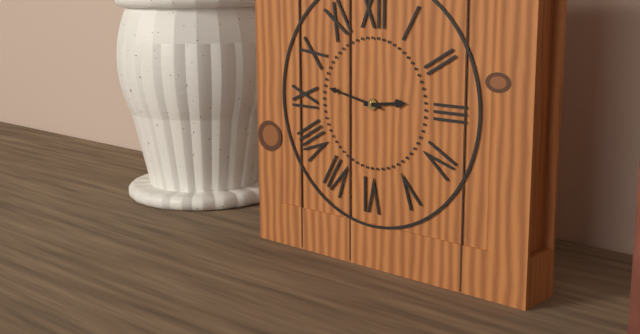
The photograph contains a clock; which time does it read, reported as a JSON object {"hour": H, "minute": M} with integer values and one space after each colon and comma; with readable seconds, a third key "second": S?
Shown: {"hour": 2, "minute": 47}
